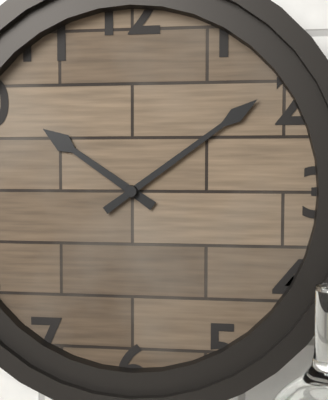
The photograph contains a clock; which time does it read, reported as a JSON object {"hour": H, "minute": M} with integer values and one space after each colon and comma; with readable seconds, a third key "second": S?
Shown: {"hour": 10, "minute": 9}
